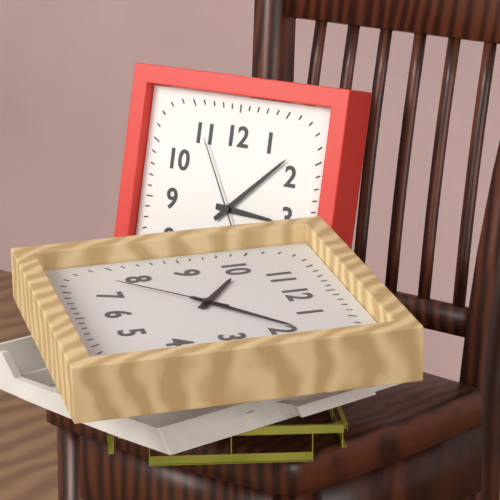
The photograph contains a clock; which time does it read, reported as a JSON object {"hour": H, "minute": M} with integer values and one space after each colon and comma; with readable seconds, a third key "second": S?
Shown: {"hour": 3, "minute": 8, "second": 55}
